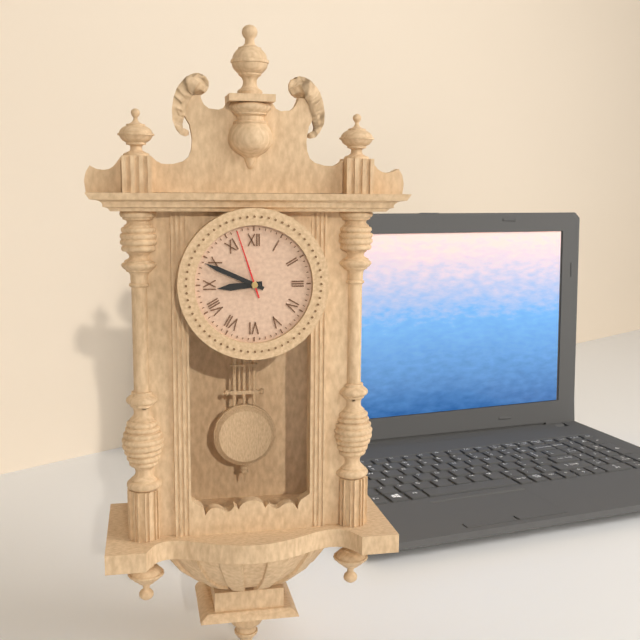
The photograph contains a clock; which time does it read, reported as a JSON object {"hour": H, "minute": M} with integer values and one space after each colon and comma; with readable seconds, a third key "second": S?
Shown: {"hour": 8, "minute": 49, "second": 57}
